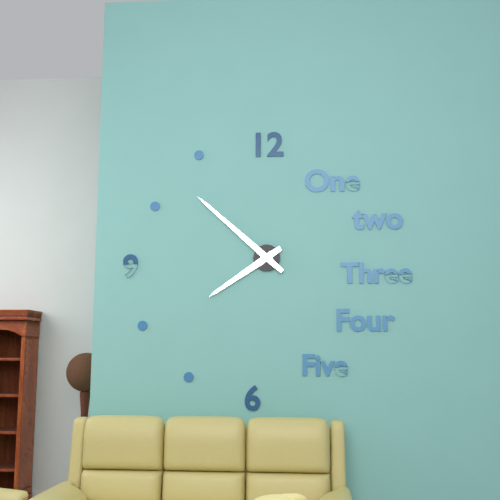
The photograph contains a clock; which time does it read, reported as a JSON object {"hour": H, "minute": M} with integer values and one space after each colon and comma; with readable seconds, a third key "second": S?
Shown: {"hour": 7, "minute": 52}
